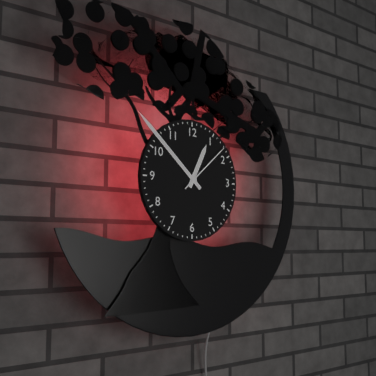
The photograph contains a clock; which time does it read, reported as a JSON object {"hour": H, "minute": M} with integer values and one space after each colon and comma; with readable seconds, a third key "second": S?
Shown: {"hour": 12, "minute": 52, "second": 8}
